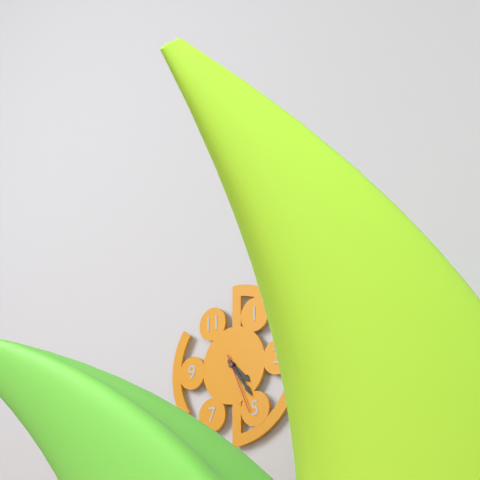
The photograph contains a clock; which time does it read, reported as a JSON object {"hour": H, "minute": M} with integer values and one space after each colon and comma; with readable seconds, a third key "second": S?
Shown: {"hour": 4, "minute": 24, "second": 26}
